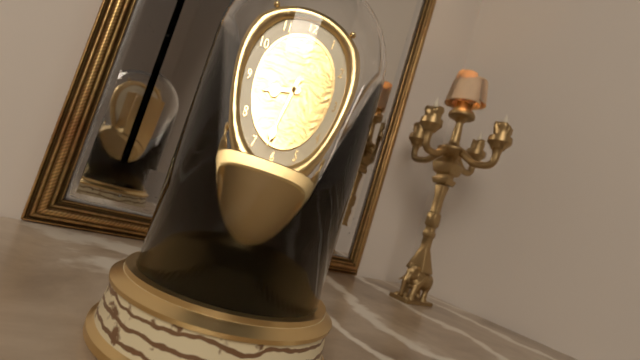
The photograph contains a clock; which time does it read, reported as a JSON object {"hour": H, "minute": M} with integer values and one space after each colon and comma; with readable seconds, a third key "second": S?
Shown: {"hour": 8, "minute": 32}
